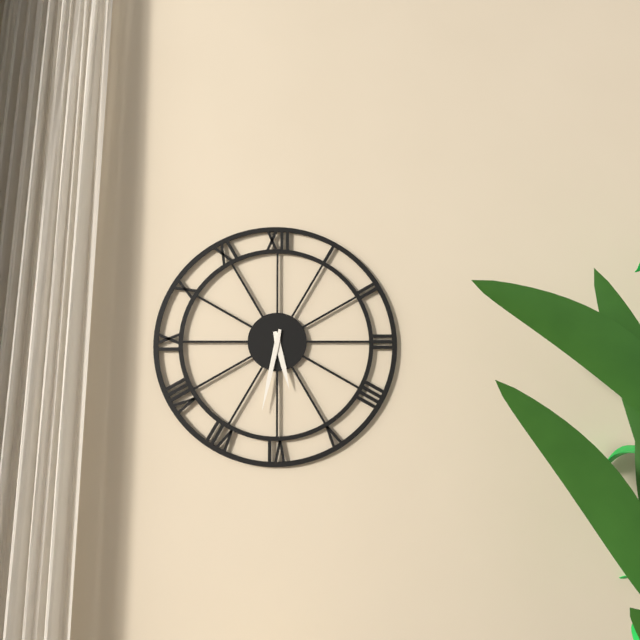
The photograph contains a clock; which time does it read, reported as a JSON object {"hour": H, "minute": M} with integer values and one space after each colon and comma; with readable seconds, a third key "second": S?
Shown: {"hour": 5, "minute": 32}
